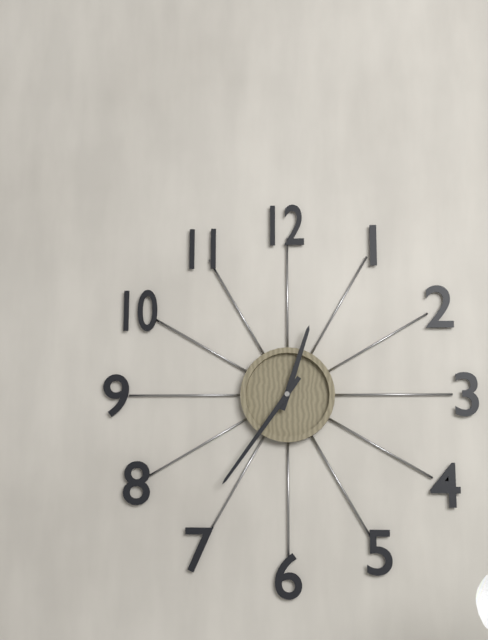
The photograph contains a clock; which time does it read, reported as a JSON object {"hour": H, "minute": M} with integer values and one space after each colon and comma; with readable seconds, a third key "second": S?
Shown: {"hour": 12, "minute": 36}
